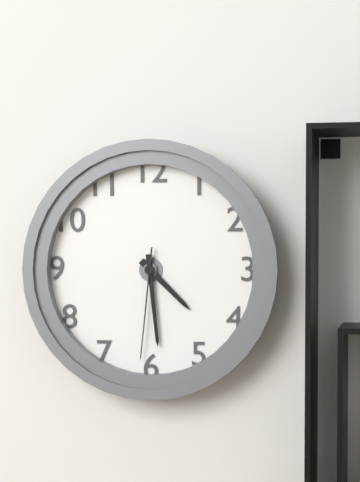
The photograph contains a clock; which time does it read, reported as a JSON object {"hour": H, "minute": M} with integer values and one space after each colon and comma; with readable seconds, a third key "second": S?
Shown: {"hour": 4, "minute": 29, "second": 31}
